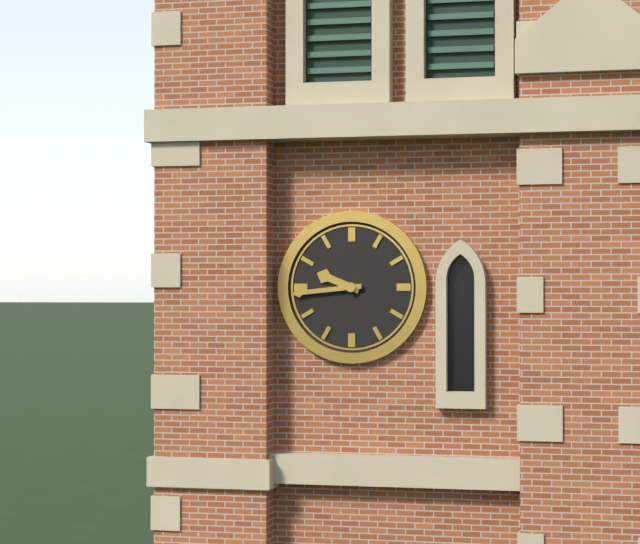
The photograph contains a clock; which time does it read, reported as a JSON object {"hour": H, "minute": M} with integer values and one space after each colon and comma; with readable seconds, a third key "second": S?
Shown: {"hour": 9, "minute": 44}
